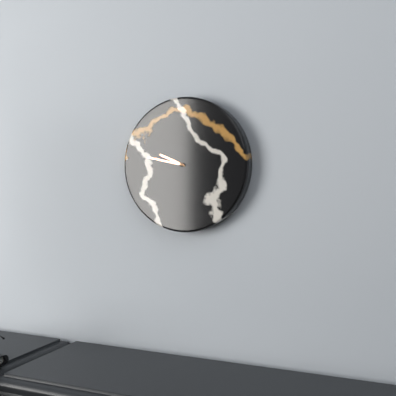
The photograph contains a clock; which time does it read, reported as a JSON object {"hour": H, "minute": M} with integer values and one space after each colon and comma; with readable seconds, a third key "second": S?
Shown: {"hour": 9, "minute": 47}
